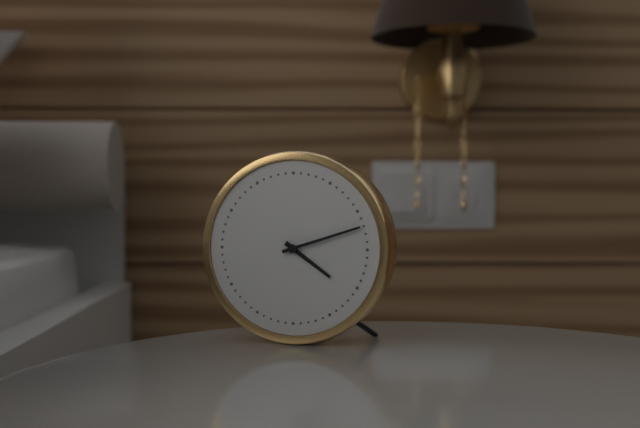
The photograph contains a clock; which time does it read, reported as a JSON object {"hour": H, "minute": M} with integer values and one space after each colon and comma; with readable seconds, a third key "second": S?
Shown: {"hour": 4, "minute": 12}
